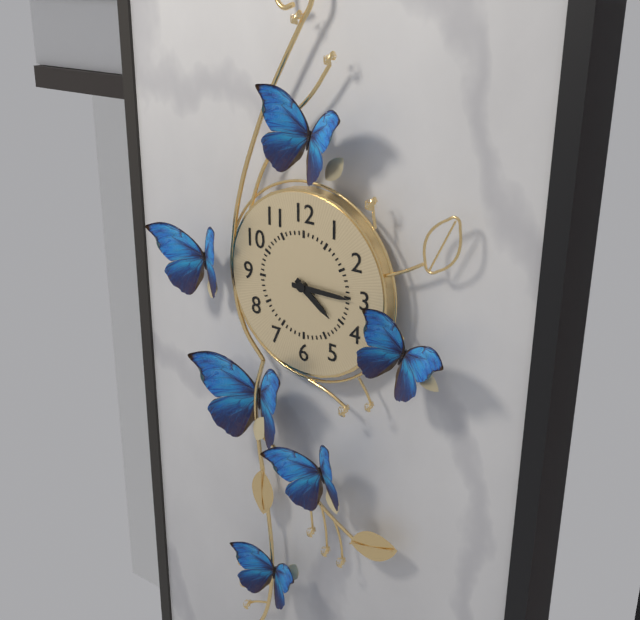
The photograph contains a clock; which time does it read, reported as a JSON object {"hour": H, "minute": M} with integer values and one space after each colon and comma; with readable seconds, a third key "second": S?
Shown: {"hour": 4, "minute": 15}
